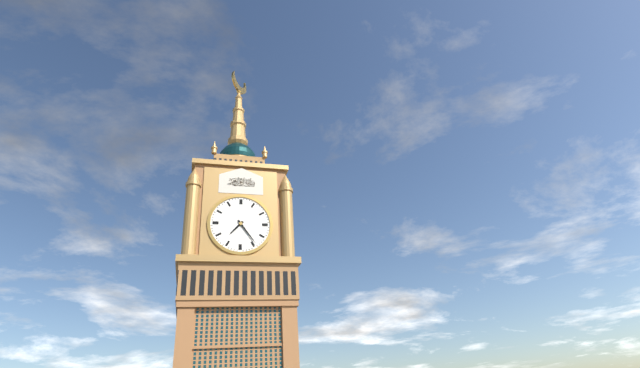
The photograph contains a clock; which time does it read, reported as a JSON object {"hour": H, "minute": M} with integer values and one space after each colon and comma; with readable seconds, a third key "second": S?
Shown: {"hour": 7, "minute": 24}
